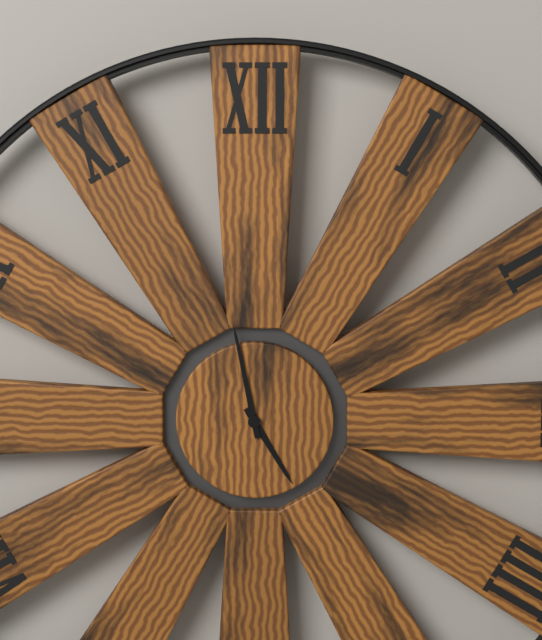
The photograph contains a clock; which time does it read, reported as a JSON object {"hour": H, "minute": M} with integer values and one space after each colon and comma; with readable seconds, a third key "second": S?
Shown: {"hour": 4, "minute": 58}
